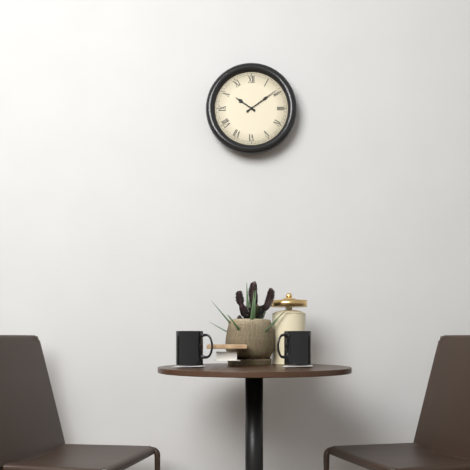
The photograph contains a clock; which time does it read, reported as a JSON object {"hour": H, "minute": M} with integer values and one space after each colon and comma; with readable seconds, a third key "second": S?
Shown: {"hour": 10, "minute": 9}
